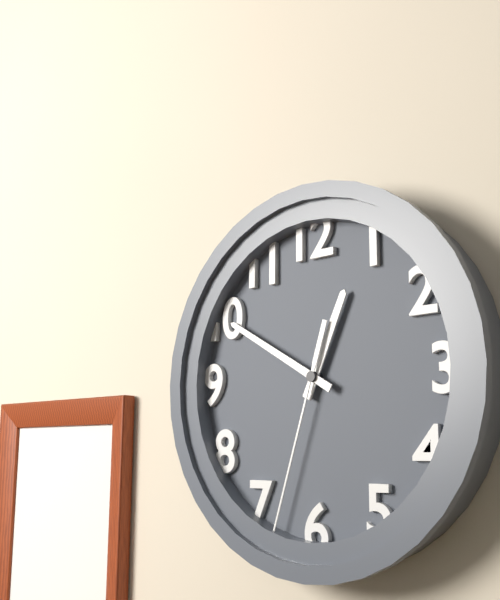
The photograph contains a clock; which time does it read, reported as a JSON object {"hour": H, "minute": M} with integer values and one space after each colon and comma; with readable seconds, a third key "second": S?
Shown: {"hour": 12, "minute": 50, "second": 33}
